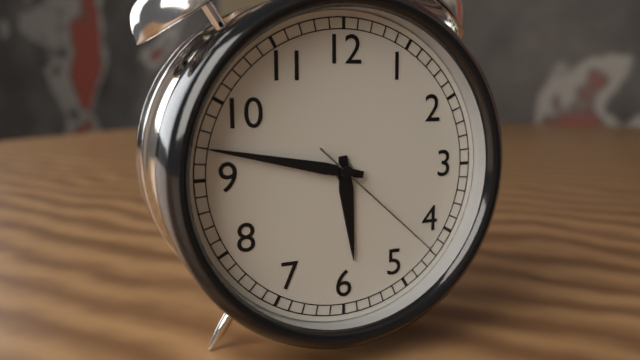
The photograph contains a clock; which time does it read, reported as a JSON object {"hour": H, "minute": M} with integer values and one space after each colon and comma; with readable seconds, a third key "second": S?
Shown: {"hour": 5, "minute": 47, "second": 22}
